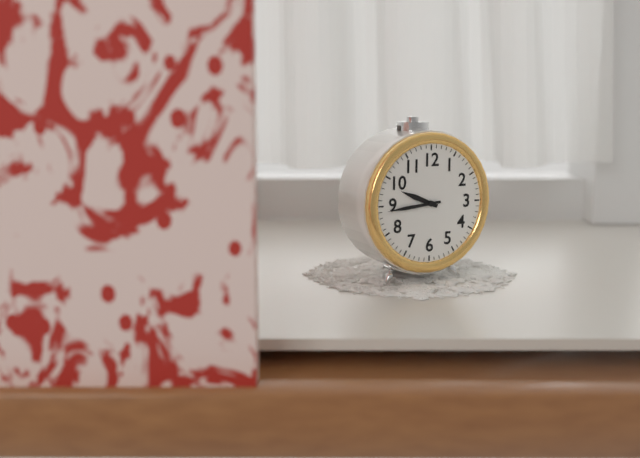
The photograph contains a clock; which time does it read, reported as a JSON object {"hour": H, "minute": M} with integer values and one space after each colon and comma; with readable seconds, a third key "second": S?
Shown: {"hour": 9, "minute": 44}
